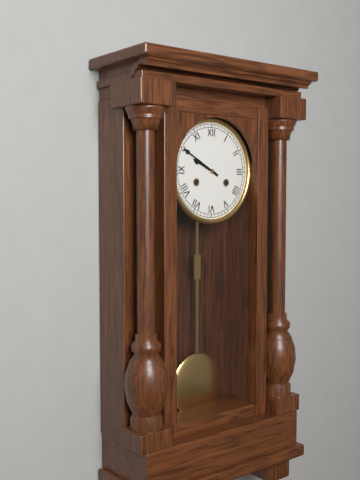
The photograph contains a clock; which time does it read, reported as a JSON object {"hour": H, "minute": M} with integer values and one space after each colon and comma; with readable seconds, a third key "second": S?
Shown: {"hour": 9, "minute": 50}
